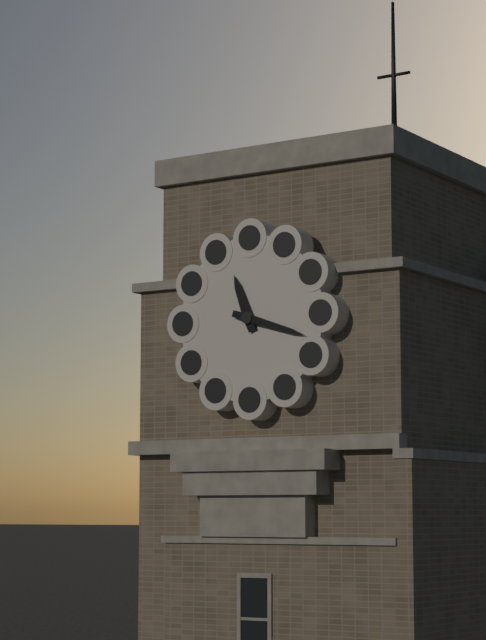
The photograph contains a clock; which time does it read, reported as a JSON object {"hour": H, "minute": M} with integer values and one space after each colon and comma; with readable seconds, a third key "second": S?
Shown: {"hour": 11, "minute": 18}
